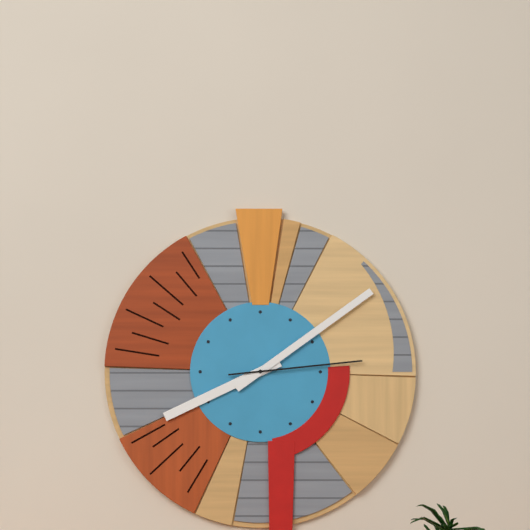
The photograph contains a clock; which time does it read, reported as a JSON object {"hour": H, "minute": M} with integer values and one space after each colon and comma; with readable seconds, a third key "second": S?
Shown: {"hour": 8, "minute": 9, "second": 14}
